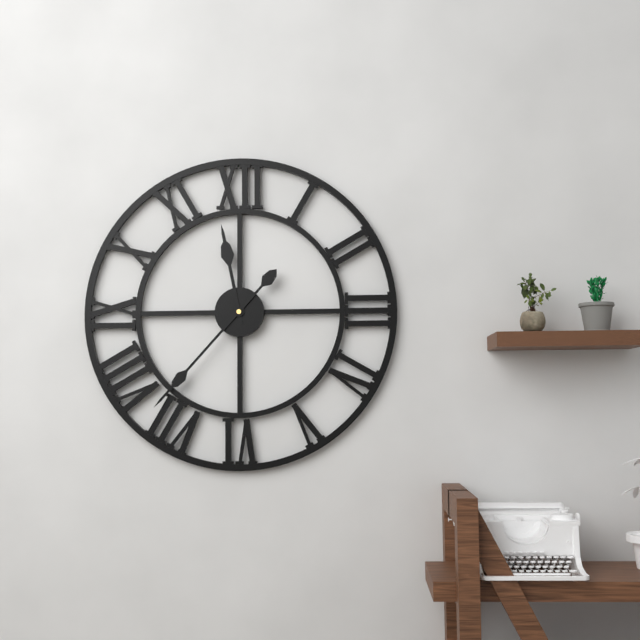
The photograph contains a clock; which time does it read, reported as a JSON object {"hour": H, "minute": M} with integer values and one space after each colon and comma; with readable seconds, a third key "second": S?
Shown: {"hour": 11, "minute": 37}
